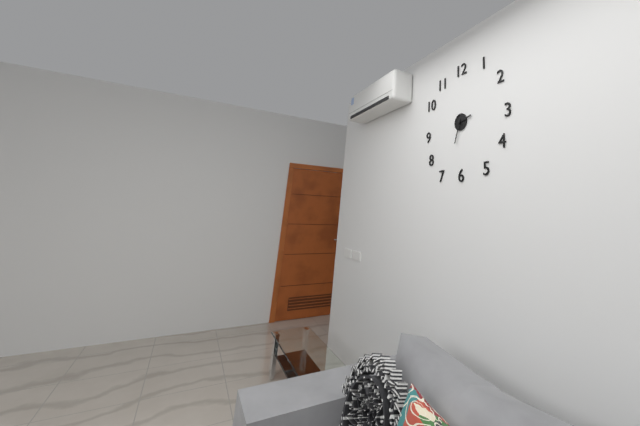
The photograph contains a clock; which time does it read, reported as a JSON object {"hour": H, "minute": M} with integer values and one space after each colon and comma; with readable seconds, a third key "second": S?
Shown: {"hour": 2, "minute": 33}
